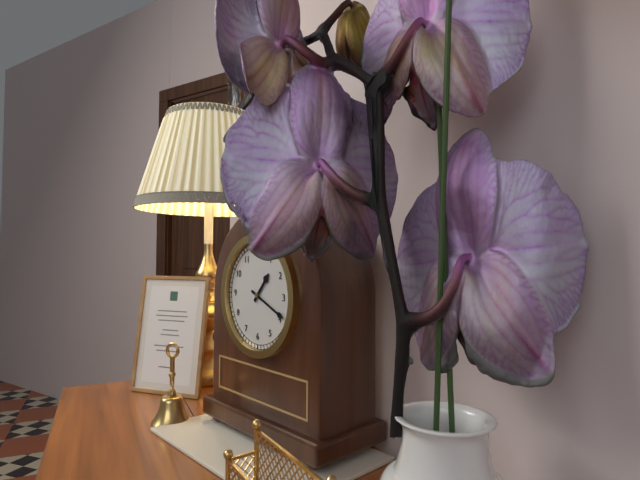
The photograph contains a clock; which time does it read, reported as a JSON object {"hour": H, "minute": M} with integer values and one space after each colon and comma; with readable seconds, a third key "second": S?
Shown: {"hour": 1, "minute": 19}
